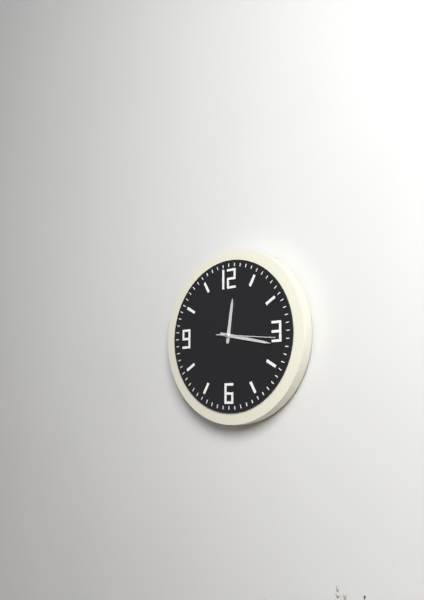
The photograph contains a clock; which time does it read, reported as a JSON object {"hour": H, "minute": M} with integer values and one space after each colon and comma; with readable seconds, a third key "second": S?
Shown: {"hour": 12, "minute": 17, "second": 16}
